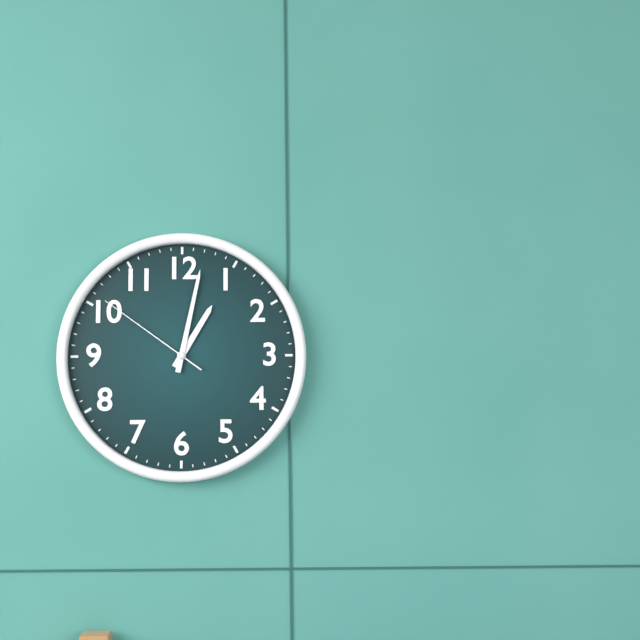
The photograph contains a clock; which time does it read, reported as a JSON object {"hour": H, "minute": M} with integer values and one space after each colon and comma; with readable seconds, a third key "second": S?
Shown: {"hour": 1, "minute": 2, "second": 51}
